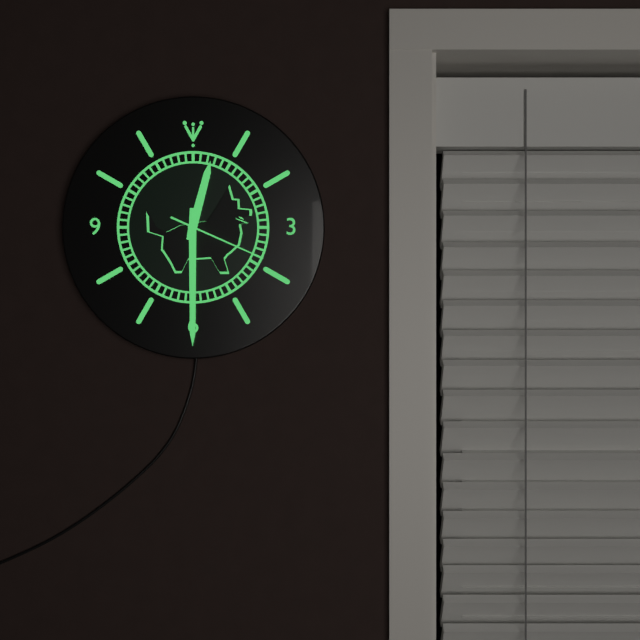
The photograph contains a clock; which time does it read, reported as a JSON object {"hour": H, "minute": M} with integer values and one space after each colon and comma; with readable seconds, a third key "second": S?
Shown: {"hour": 12, "minute": 30, "second": 19}
